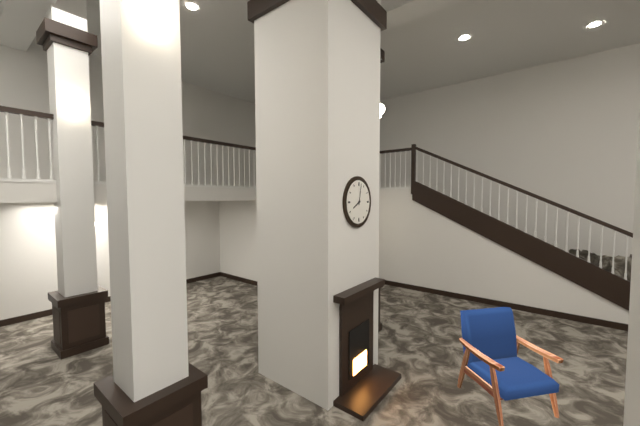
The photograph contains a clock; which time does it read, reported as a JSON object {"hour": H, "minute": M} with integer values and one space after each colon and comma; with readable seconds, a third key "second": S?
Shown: {"hour": 8, "minute": 2}
